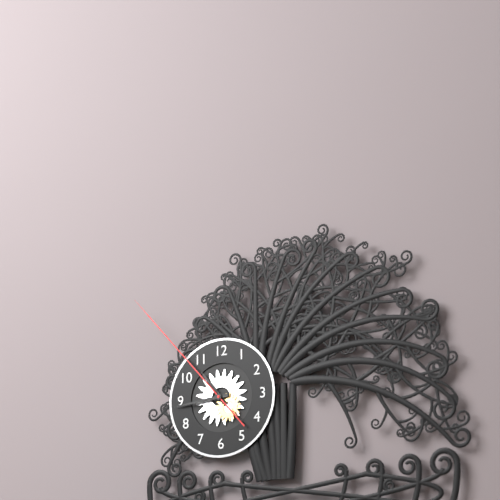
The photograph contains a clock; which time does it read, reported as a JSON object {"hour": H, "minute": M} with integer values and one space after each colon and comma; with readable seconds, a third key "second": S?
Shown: {"hour": 10, "minute": 44, "second": 53}
